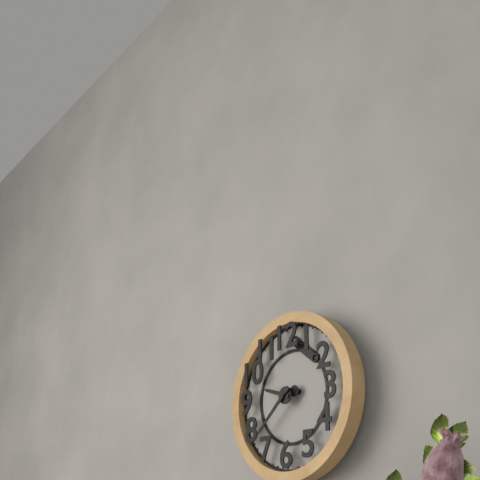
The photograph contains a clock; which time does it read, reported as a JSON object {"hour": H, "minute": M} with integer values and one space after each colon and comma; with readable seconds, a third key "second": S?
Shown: {"hour": 9, "minute": 38}
